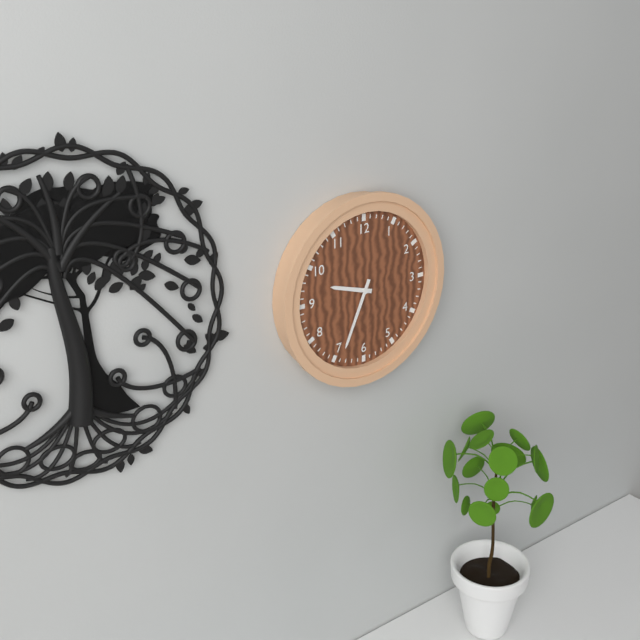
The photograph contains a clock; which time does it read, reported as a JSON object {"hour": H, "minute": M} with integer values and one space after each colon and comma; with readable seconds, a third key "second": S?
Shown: {"hour": 9, "minute": 34}
